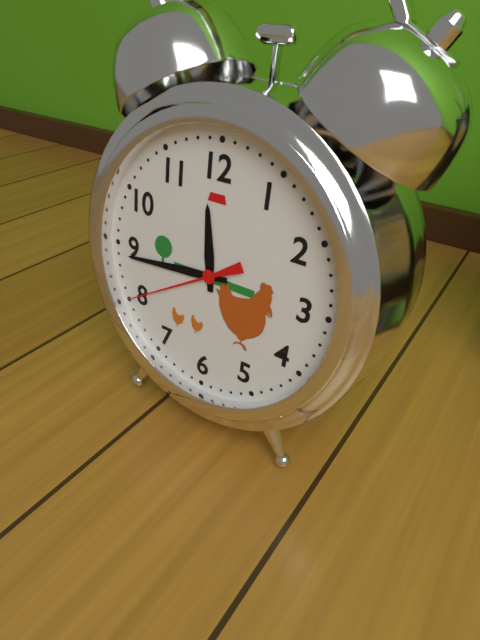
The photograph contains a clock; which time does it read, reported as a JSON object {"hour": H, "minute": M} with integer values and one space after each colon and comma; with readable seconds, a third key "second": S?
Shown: {"hour": 11, "minute": 44, "second": 40}
